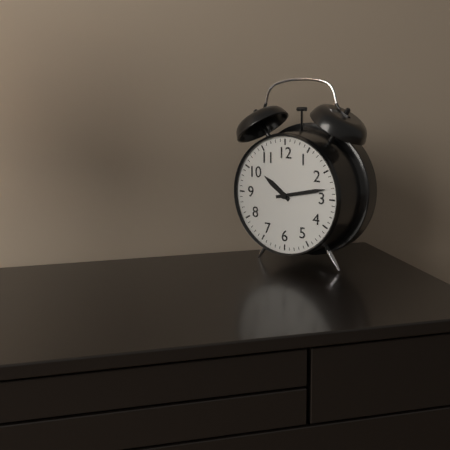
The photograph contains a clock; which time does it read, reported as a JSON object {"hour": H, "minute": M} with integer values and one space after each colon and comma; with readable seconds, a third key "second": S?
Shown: {"hour": 10, "minute": 13}
